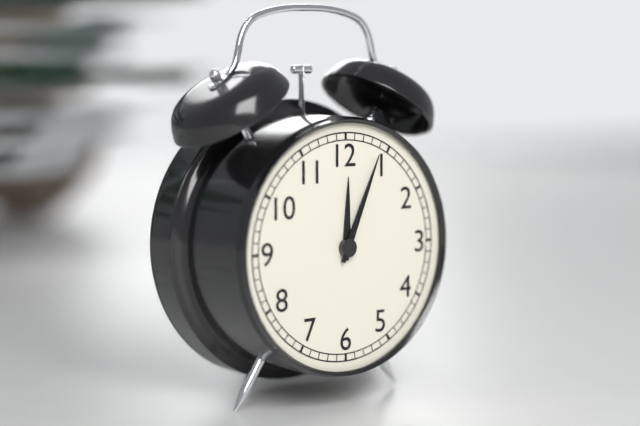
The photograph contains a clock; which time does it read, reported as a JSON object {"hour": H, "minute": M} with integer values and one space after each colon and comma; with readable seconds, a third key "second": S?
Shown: {"hour": 12, "minute": 4}
